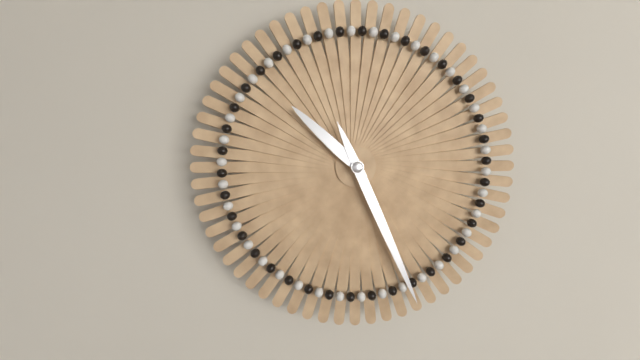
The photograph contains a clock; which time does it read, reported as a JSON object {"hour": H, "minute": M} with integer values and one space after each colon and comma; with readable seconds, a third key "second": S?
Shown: {"hour": 10, "minute": 26}
